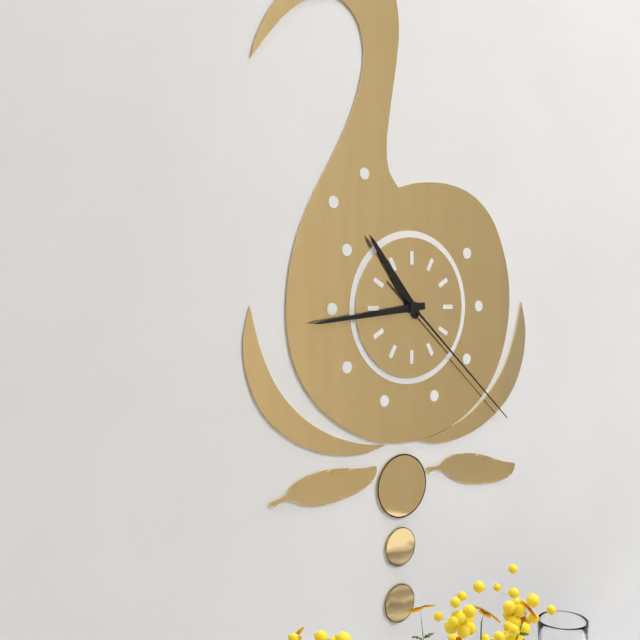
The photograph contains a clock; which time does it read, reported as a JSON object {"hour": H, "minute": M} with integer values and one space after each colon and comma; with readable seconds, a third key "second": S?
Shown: {"hour": 10, "minute": 44, "second": 22}
